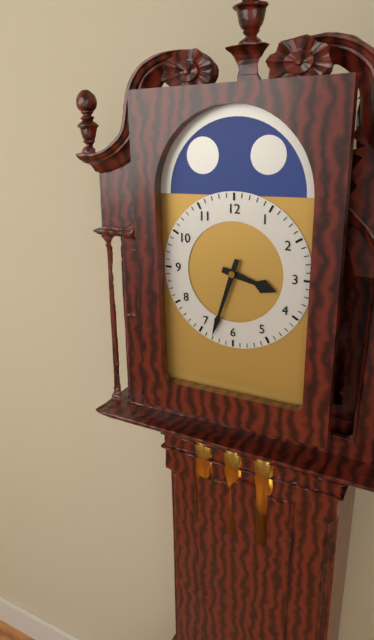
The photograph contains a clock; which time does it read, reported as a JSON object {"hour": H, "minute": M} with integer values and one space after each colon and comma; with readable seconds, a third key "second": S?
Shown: {"hour": 3, "minute": 33}
